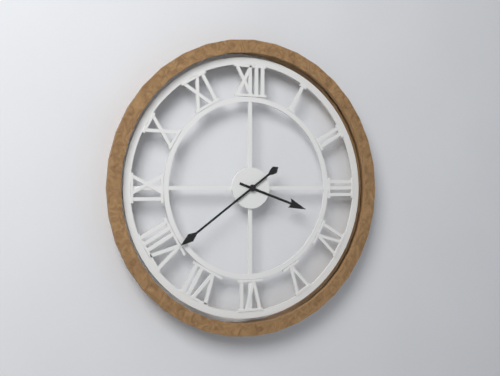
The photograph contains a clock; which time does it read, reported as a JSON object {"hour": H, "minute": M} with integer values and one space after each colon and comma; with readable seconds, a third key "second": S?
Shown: {"hour": 3, "minute": 39}
